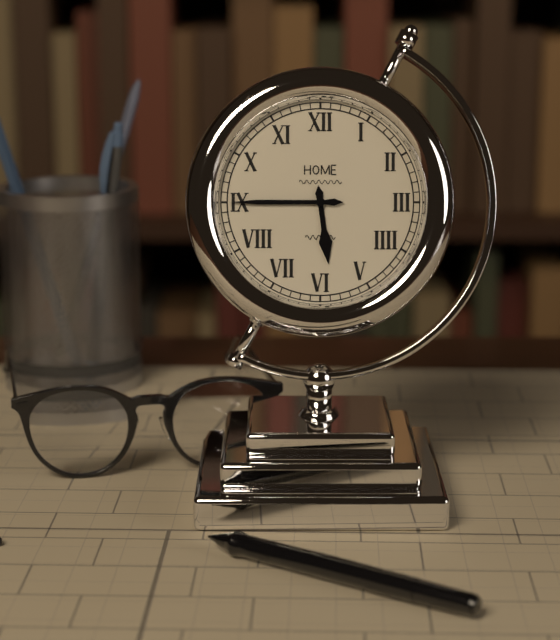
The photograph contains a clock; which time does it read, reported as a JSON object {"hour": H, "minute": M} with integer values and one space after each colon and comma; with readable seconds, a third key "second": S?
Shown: {"hour": 5, "minute": 45}
